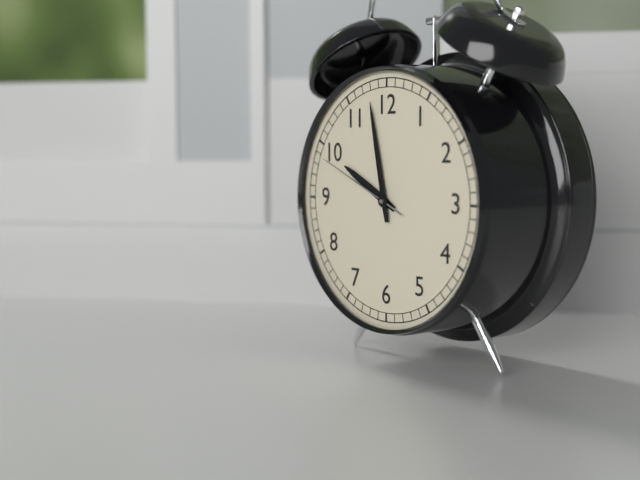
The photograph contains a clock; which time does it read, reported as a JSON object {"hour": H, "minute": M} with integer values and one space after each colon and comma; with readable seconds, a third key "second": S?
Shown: {"hour": 9, "minute": 58, "second": 49}
